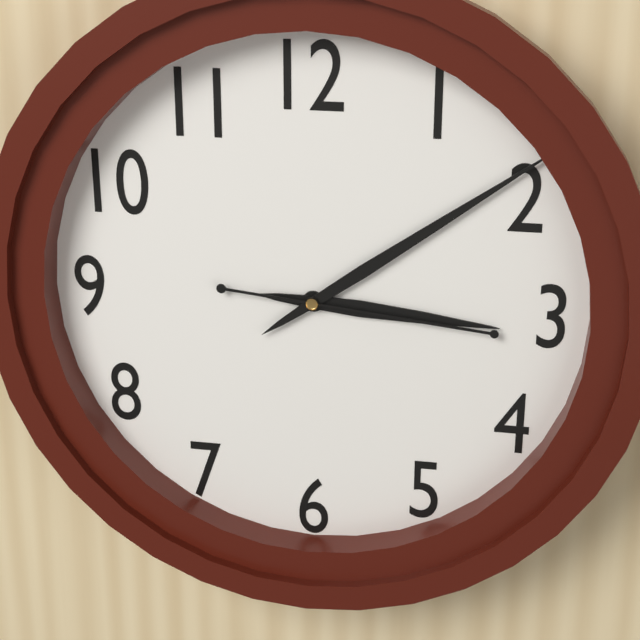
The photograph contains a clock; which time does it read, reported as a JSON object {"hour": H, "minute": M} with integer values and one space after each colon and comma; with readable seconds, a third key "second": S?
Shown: {"hour": 3, "minute": 9, "second": 16}
